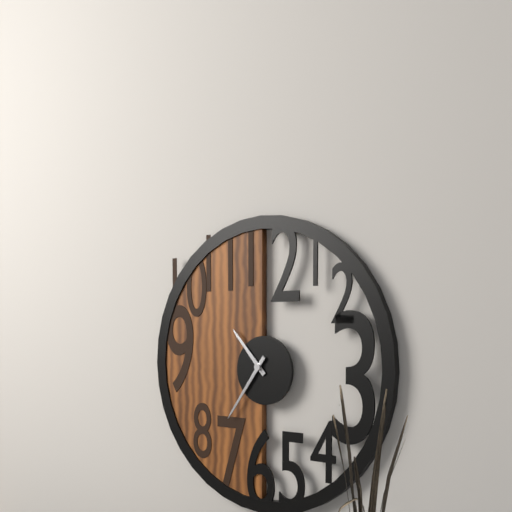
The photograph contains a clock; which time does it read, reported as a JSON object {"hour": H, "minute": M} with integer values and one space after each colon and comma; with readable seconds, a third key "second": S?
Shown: {"hour": 10, "minute": 36}
